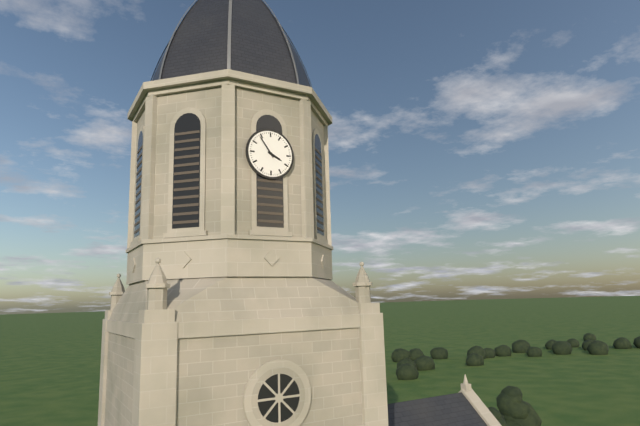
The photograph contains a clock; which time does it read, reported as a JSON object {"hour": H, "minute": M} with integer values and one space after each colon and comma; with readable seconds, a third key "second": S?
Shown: {"hour": 3, "minute": 54}
